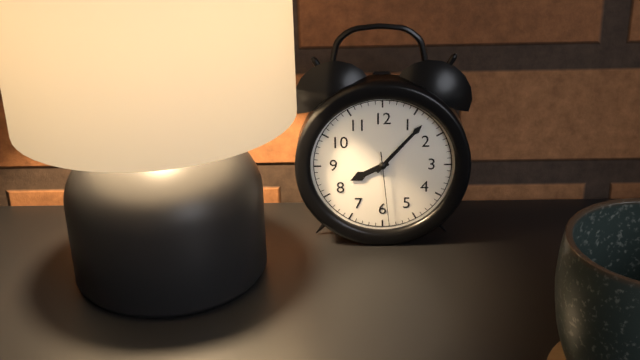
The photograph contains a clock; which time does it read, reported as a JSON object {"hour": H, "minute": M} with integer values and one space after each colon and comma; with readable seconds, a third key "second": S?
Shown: {"hour": 8, "minute": 7, "second": 29}
